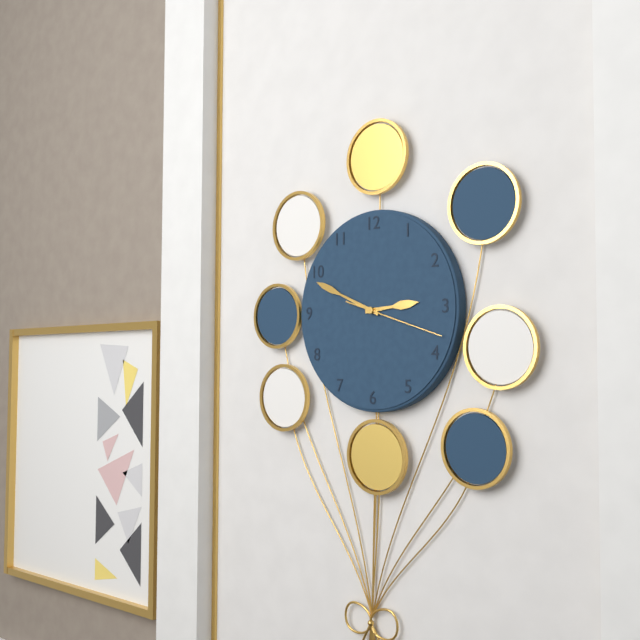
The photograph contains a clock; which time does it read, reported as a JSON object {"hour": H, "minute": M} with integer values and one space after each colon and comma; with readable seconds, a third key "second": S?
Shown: {"hour": 2, "minute": 49, "second": 18}
